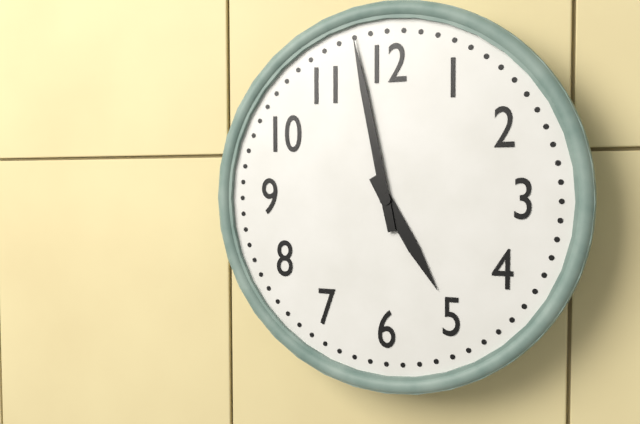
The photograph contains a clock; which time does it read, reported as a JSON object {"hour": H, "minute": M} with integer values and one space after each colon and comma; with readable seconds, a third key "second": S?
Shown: {"hour": 4, "minute": 58}
